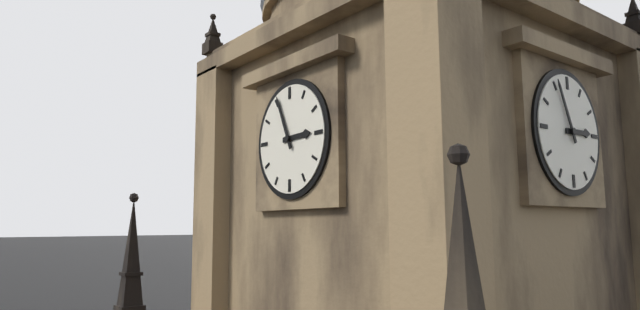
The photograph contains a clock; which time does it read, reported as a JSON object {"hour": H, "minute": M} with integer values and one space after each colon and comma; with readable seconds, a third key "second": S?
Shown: {"hour": 2, "minute": 56}
